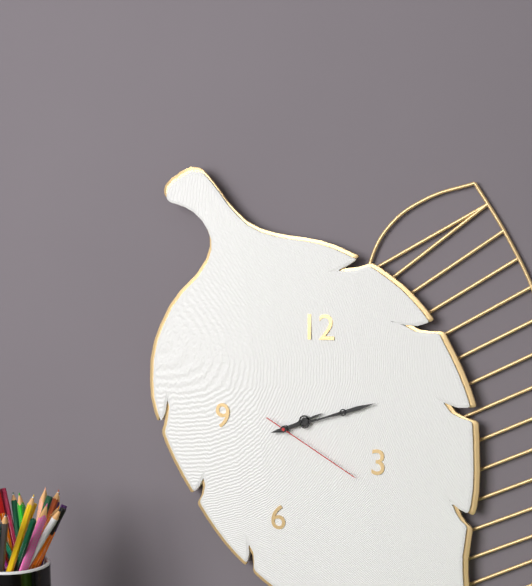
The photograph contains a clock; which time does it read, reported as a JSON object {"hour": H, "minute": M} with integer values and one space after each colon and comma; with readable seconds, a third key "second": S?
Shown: {"hour": 2, "minute": 12, "second": 20}
